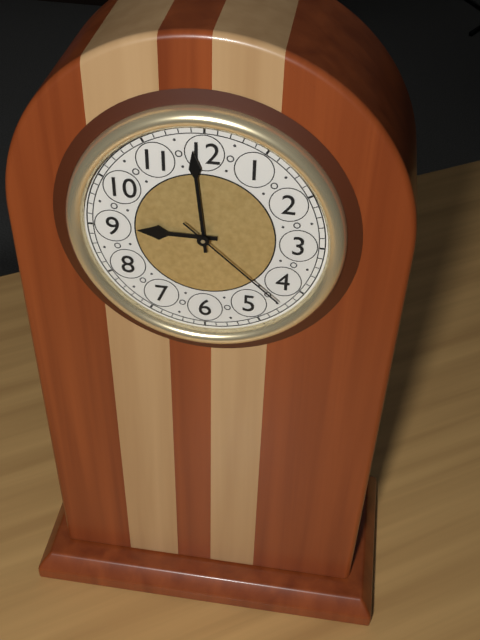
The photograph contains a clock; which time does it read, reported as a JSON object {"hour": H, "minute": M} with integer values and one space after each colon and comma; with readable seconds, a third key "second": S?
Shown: {"hour": 8, "minute": 59, "second": 22}
